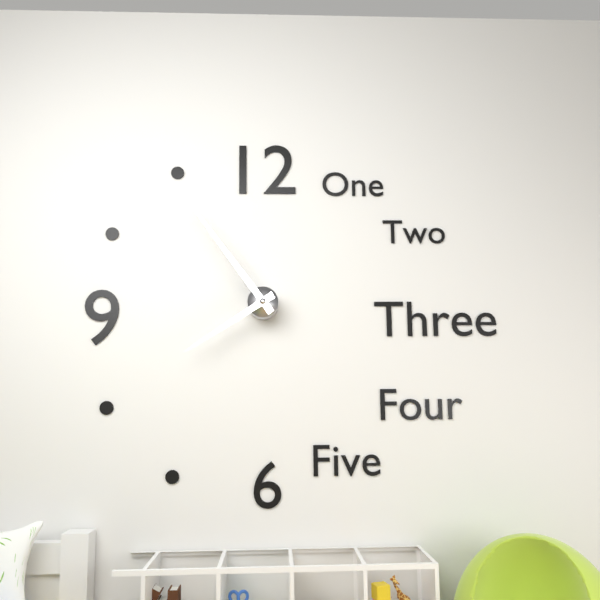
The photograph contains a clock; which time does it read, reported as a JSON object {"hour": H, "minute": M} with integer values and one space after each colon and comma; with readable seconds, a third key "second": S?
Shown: {"hour": 7, "minute": 54}
